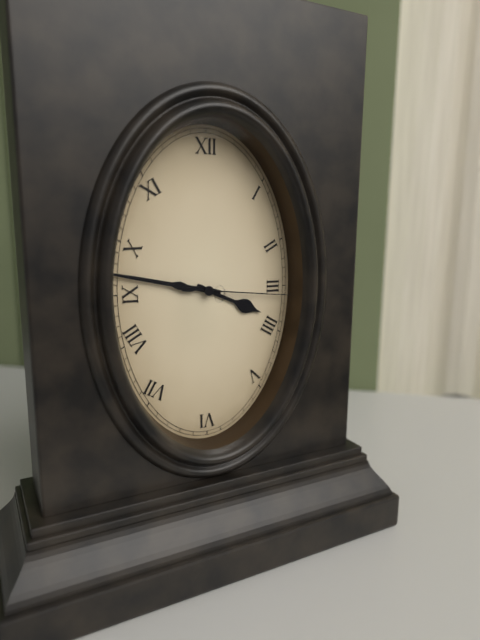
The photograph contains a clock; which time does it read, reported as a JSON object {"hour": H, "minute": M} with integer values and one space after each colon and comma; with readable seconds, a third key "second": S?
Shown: {"hour": 3, "minute": 47, "second": 16}
